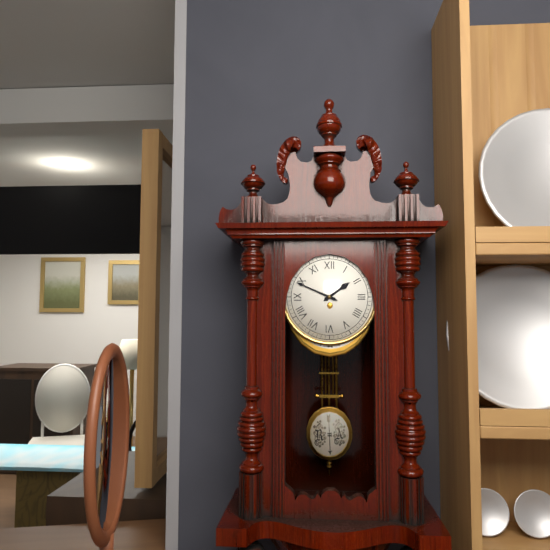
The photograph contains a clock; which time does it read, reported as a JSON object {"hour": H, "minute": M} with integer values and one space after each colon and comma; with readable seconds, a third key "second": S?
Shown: {"hour": 1, "minute": 49}
